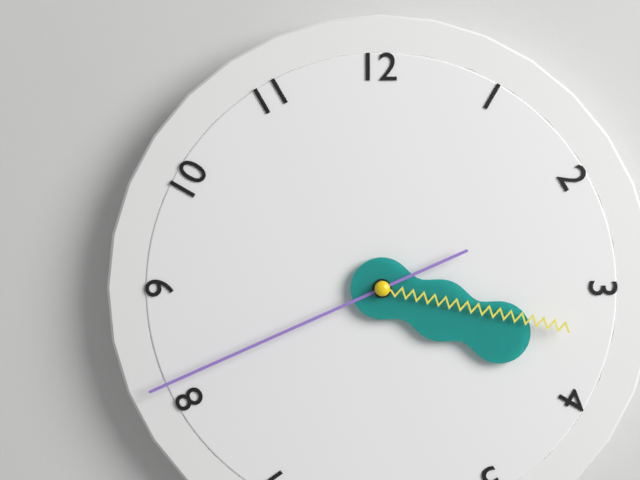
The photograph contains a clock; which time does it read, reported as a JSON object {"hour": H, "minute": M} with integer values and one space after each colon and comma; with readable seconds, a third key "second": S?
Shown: {"hour": 3, "minute": 41, "second": 17}
